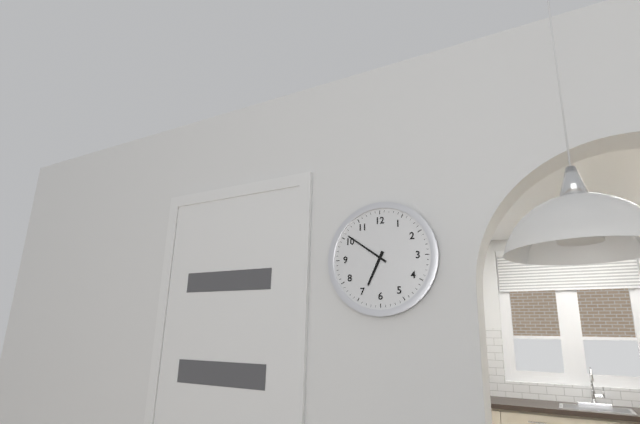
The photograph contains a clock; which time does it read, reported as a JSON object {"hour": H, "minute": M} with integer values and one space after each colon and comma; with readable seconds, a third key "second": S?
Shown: {"hour": 6, "minute": 51}
